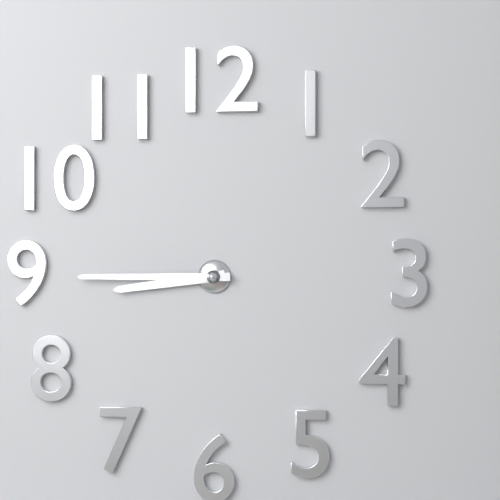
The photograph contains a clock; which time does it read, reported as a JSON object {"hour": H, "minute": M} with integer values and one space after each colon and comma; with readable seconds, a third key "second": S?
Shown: {"hour": 8, "minute": 45}
